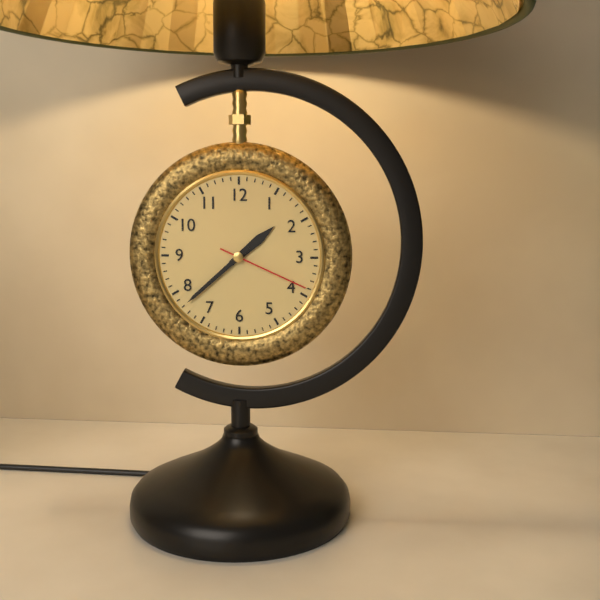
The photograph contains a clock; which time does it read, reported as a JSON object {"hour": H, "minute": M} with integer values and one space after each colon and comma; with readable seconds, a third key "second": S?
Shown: {"hour": 1, "minute": 38, "second": 19}
